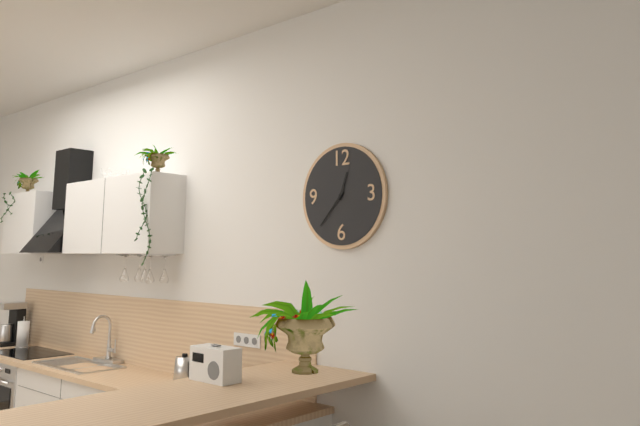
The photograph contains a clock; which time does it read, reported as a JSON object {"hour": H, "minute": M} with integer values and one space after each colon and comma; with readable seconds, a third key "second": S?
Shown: {"hour": 12, "minute": 37}
